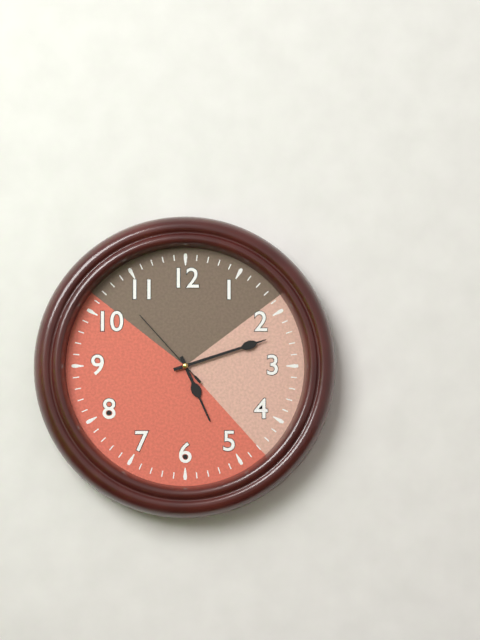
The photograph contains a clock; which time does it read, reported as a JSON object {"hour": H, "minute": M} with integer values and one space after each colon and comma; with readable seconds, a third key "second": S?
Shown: {"hour": 5, "minute": 12, "second": 53}
